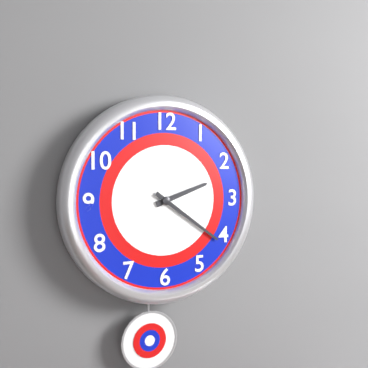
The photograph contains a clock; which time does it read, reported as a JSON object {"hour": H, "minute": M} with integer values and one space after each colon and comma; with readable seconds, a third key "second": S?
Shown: {"hour": 2, "minute": 21}
